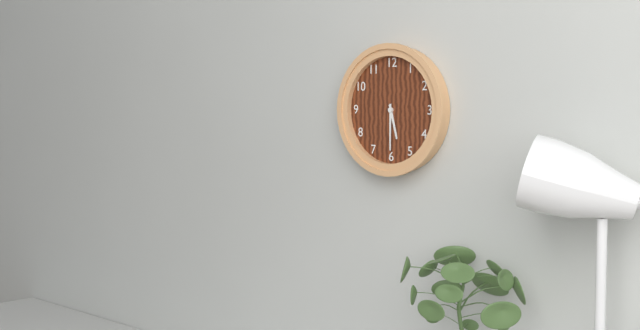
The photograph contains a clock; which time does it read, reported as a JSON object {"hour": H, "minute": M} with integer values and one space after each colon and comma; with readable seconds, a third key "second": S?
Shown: {"hour": 5, "minute": 30}
